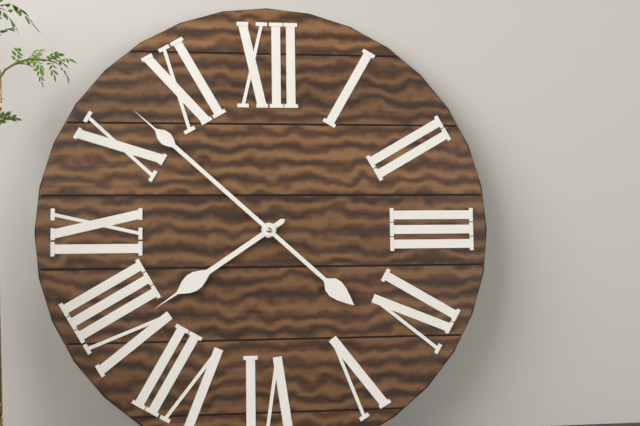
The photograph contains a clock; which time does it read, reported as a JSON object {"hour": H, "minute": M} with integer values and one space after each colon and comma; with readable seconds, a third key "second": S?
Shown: {"hour": 7, "minute": 52}
